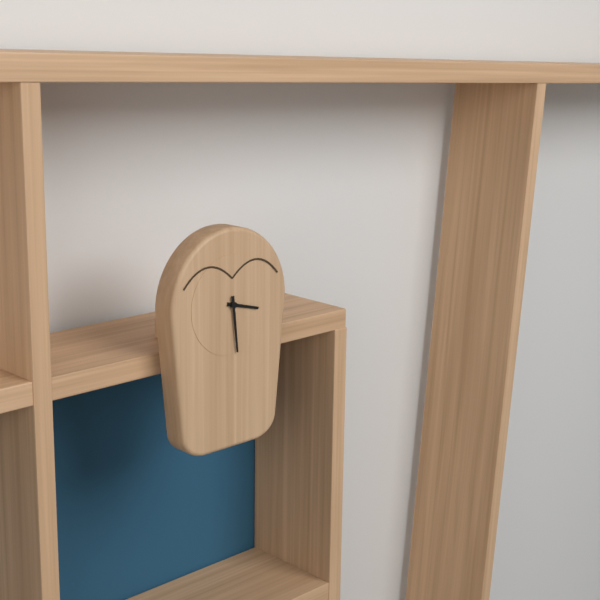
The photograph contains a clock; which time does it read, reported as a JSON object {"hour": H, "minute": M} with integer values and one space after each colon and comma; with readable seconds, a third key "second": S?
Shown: {"hour": 3, "minute": 29}
